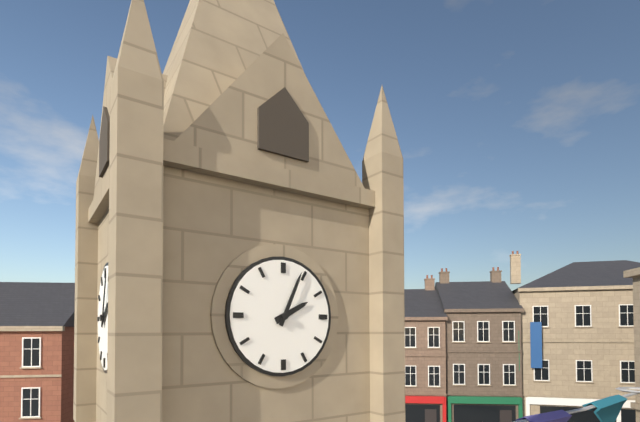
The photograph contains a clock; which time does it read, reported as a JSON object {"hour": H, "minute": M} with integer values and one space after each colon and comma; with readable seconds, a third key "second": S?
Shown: {"hour": 2, "minute": 4}
